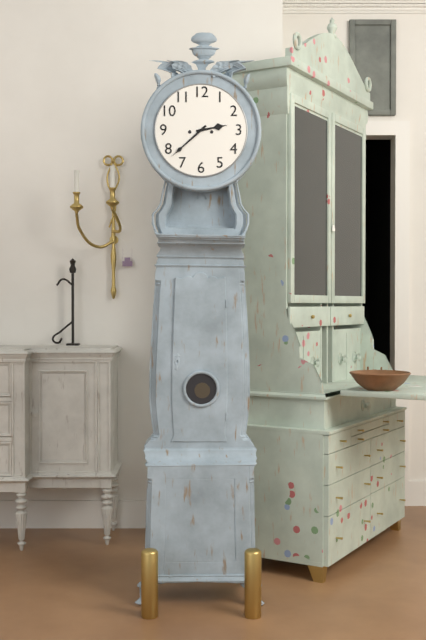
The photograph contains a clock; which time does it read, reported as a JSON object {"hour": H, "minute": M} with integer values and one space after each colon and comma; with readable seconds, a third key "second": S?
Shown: {"hour": 2, "minute": 38}
